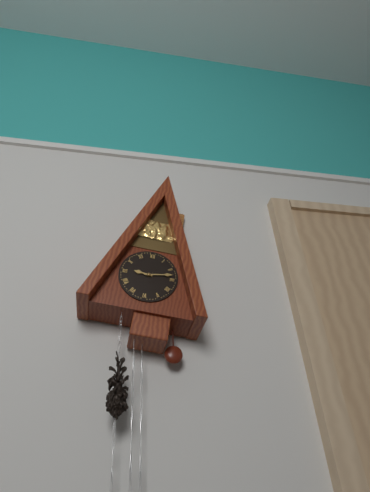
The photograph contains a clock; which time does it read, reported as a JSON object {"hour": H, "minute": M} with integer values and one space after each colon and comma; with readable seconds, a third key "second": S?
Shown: {"hour": 9, "minute": 13}
